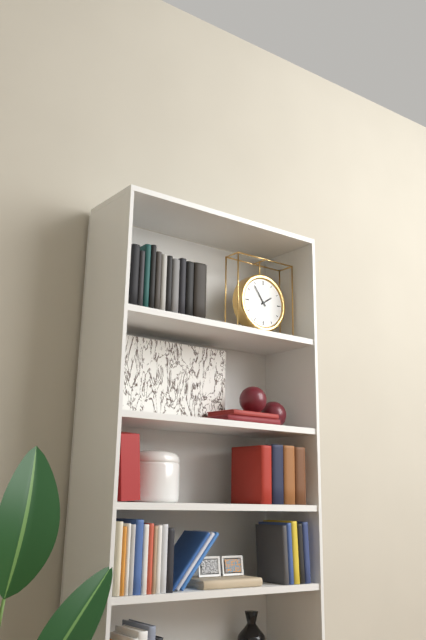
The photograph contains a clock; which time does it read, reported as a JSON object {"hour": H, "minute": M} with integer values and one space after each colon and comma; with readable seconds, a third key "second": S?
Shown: {"hour": 1, "minute": 54}
